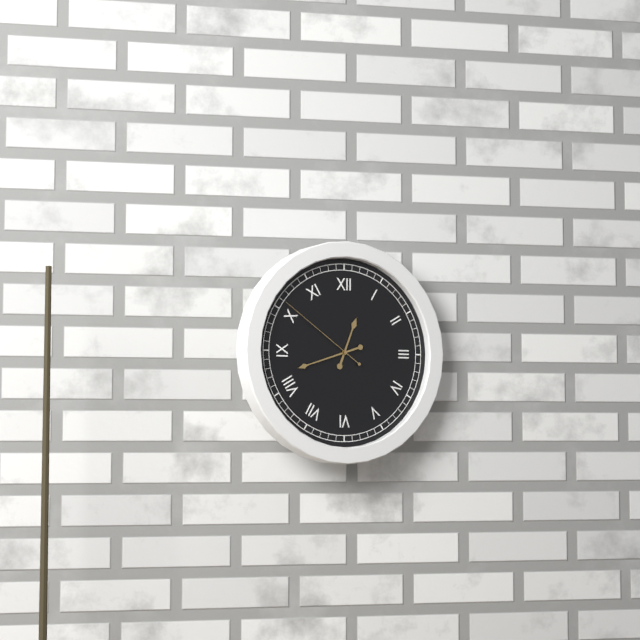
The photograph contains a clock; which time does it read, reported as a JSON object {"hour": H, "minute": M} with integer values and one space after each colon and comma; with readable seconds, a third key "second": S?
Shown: {"hour": 12, "minute": 42, "second": 51}
